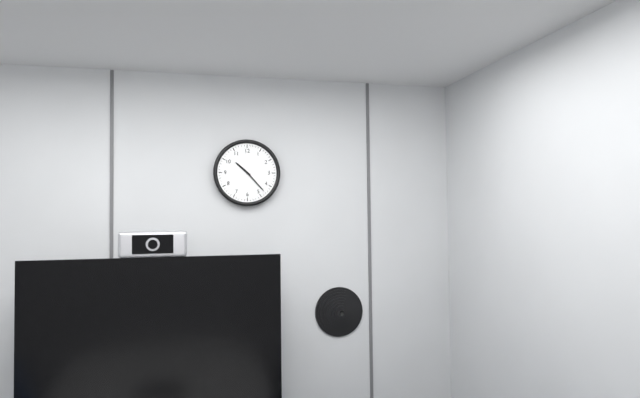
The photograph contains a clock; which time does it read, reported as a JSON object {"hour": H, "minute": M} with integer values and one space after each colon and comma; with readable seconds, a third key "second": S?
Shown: {"hour": 10, "minute": 23}
